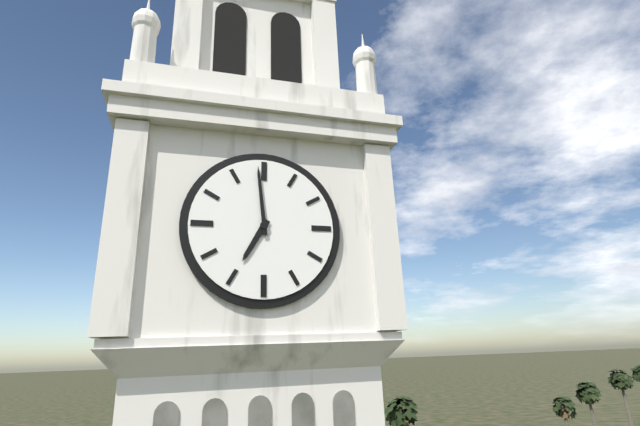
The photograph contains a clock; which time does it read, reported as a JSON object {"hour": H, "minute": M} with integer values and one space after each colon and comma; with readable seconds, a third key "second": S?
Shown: {"hour": 6, "minute": 59}
